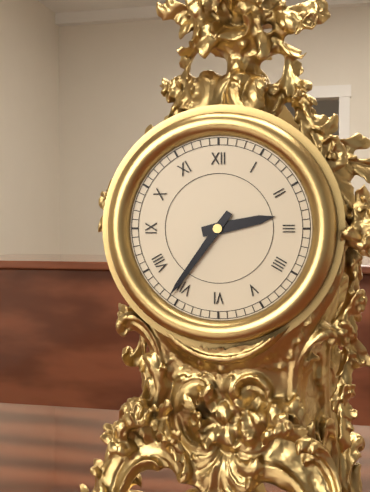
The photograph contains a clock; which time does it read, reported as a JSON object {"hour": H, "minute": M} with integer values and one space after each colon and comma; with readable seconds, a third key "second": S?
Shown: {"hour": 2, "minute": 36}
